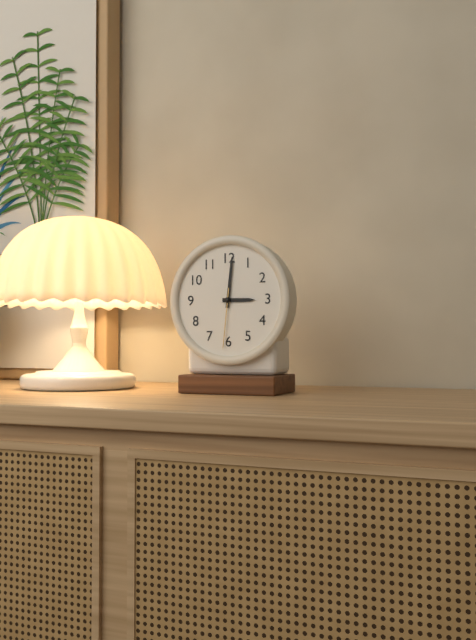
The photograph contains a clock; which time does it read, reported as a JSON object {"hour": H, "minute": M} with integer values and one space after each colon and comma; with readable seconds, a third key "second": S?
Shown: {"hour": 3, "minute": 1, "second": 31}
